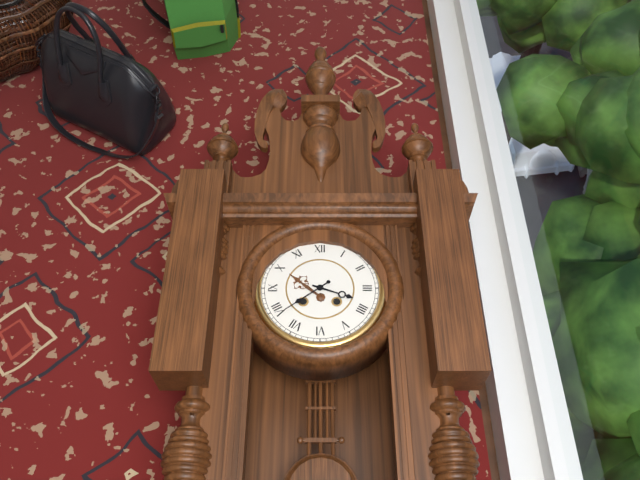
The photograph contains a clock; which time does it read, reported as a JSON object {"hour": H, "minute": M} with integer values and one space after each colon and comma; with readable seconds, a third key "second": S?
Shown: {"hour": 3, "minute": 39}
